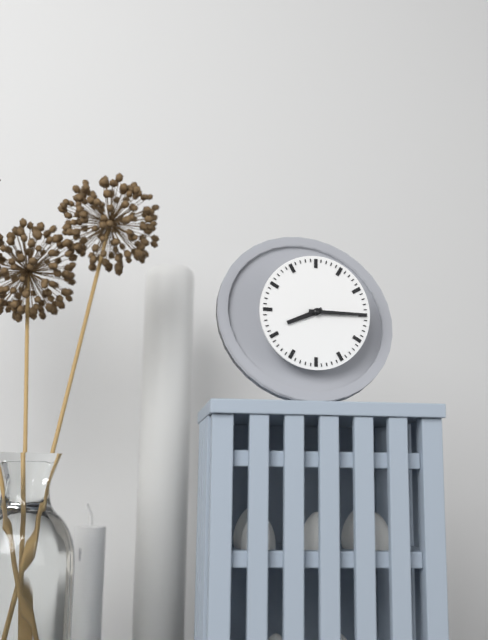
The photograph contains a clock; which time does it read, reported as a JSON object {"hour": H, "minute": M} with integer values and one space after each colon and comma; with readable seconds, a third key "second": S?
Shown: {"hour": 8, "minute": 15}
